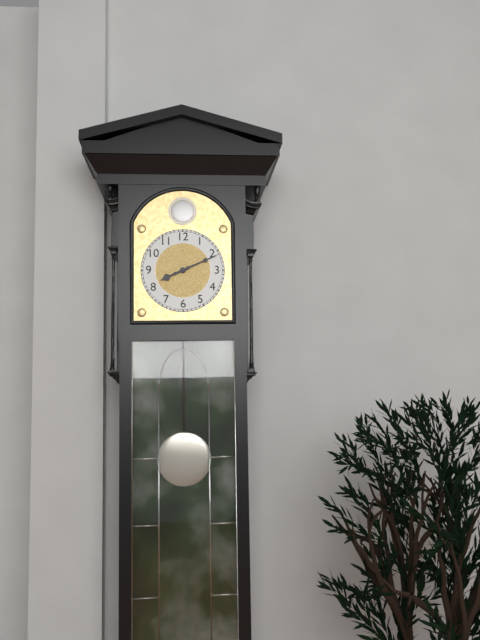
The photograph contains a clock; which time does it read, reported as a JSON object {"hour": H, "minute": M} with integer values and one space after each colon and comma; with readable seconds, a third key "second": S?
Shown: {"hour": 8, "minute": 11}
